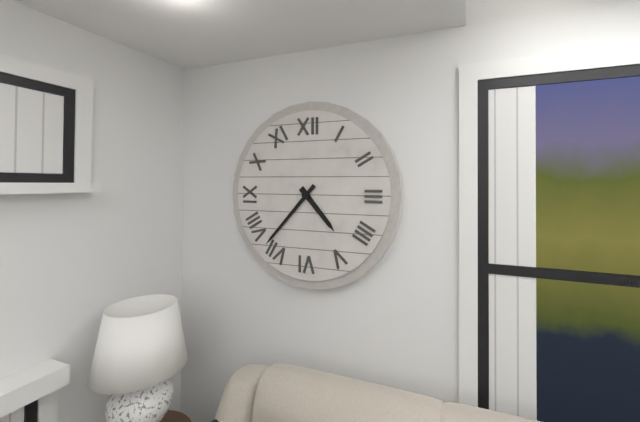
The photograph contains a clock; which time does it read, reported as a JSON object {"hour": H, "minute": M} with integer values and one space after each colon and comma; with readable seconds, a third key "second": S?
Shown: {"hour": 4, "minute": 37}
